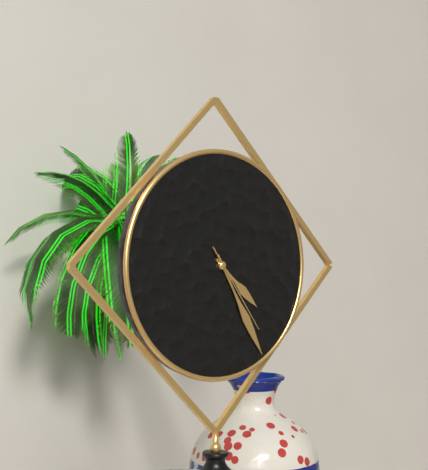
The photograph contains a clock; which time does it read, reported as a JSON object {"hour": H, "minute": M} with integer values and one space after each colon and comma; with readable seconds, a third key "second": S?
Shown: {"hour": 4, "minute": 25, "second": 24}
